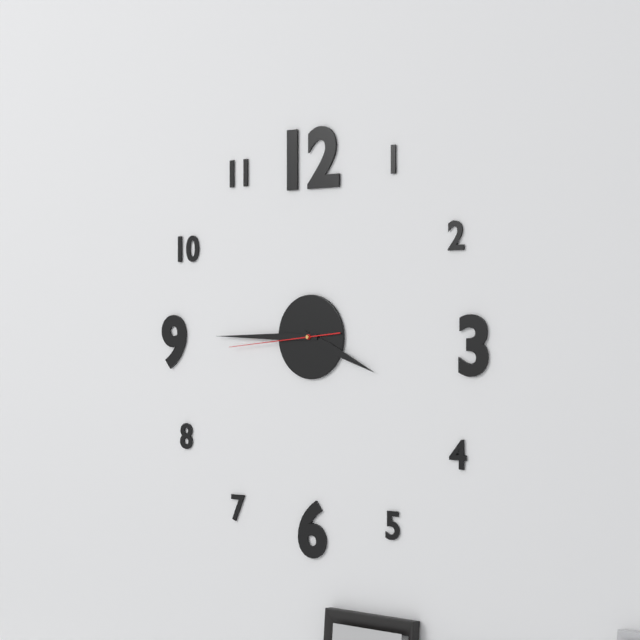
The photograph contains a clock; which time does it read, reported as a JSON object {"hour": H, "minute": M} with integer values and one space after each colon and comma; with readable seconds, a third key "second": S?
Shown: {"hour": 3, "minute": 45, "second": 44}
